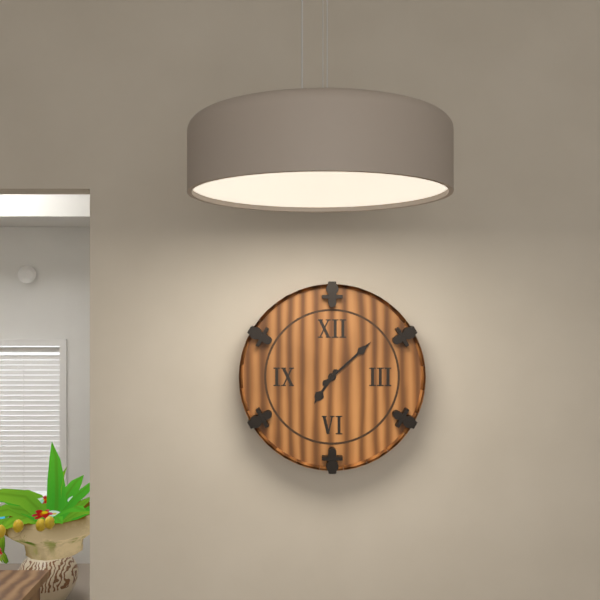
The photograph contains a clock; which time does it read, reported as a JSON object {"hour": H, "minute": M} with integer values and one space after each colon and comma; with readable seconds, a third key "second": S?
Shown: {"hour": 7, "minute": 8}
